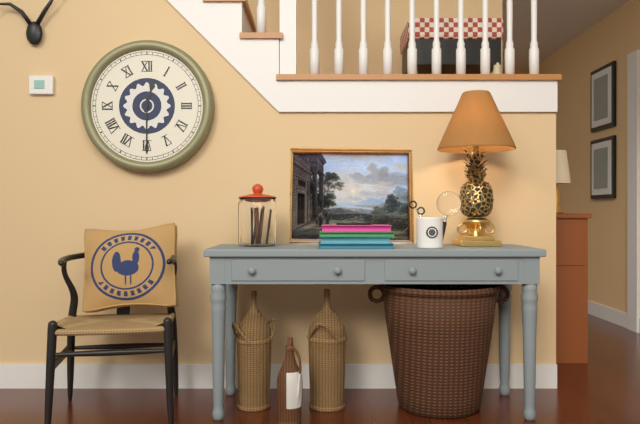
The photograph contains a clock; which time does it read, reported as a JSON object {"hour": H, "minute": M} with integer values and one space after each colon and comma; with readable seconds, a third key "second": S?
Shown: {"hour": 12, "minute": 30}
